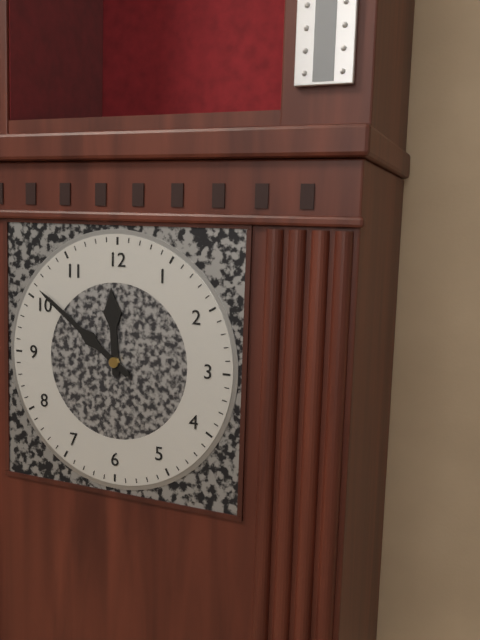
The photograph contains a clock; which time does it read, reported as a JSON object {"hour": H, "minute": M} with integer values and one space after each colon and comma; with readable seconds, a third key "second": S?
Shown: {"hour": 11, "minute": 51}
